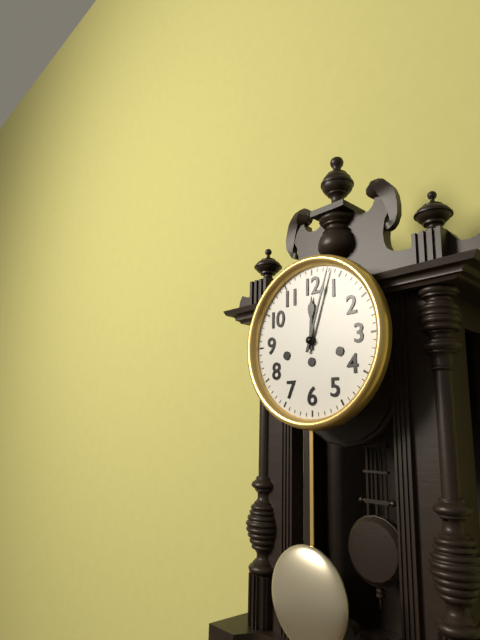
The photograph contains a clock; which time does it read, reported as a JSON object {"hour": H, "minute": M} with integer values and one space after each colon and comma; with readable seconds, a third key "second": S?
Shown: {"hour": 12, "minute": 3}
